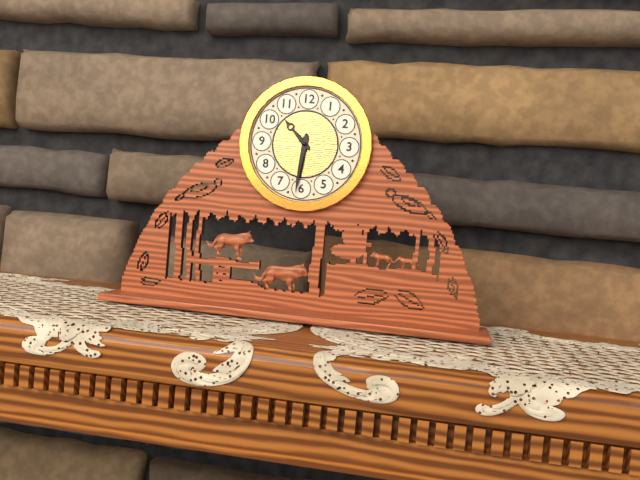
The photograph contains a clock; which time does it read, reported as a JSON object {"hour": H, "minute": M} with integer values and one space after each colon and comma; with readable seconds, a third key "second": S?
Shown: {"hour": 10, "minute": 31}
